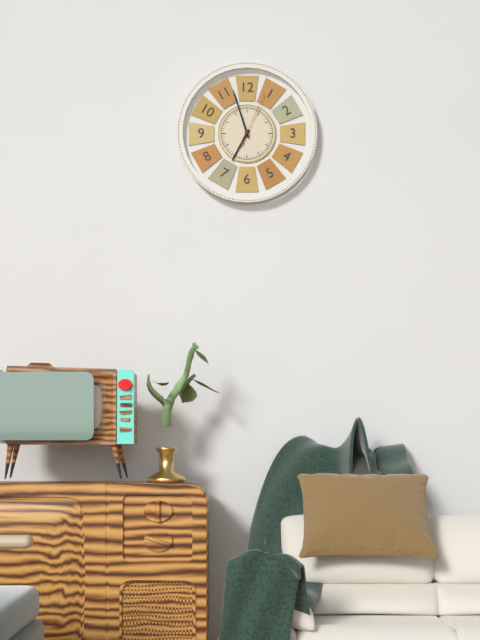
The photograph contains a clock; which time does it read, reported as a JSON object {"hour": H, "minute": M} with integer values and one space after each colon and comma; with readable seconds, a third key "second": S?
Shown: {"hour": 6, "minute": 57, "second": 4}
